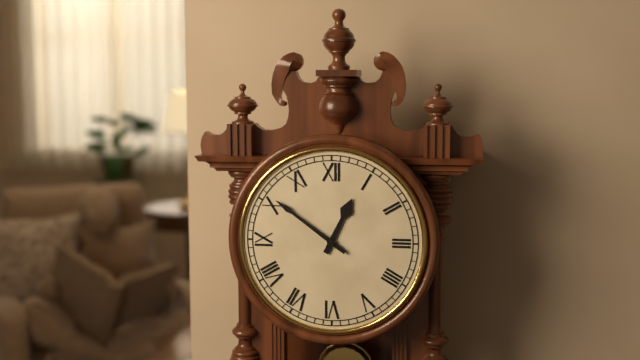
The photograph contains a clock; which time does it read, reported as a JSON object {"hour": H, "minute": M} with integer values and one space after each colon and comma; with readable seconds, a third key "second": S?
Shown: {"hour": 12, "minute": 51}
